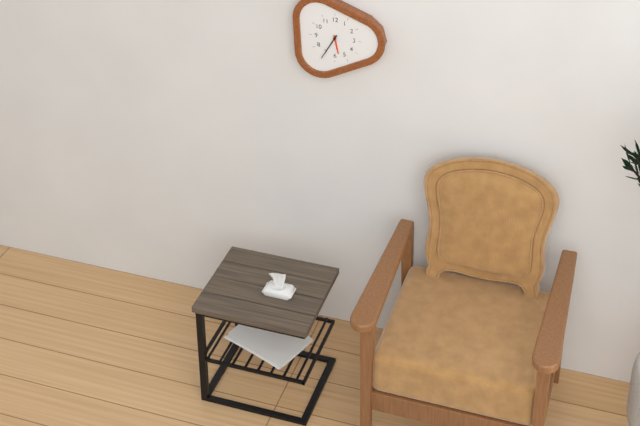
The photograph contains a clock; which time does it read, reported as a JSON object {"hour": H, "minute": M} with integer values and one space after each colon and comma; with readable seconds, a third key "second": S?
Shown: {"hour": 5, "minute": 35}
